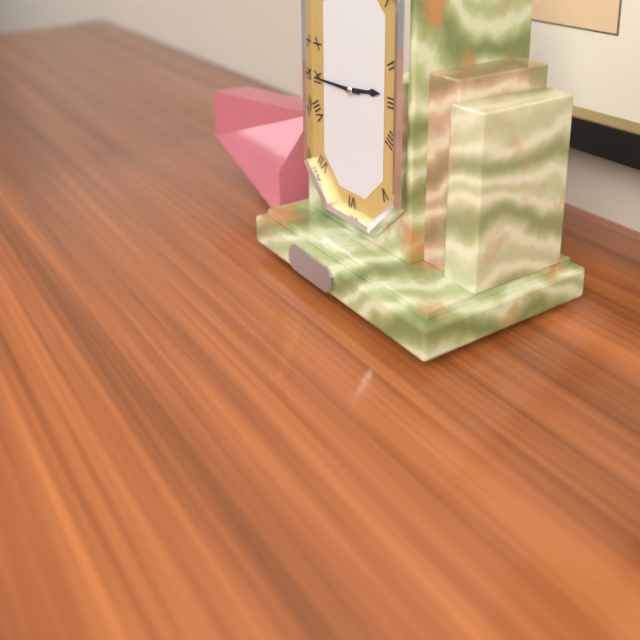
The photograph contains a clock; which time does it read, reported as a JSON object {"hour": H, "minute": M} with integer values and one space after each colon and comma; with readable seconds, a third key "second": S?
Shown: {"hour": 2, "minute": 45}
